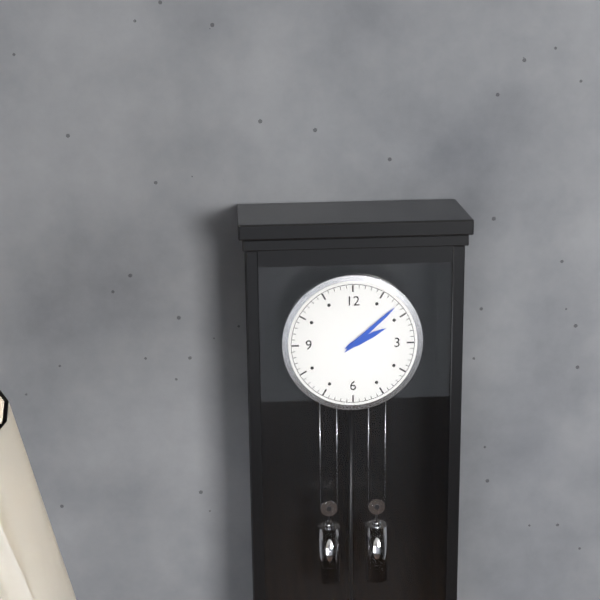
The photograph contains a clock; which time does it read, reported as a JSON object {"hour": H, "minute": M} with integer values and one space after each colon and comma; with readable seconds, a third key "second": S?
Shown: {"hour": 2, "minute": 8}
